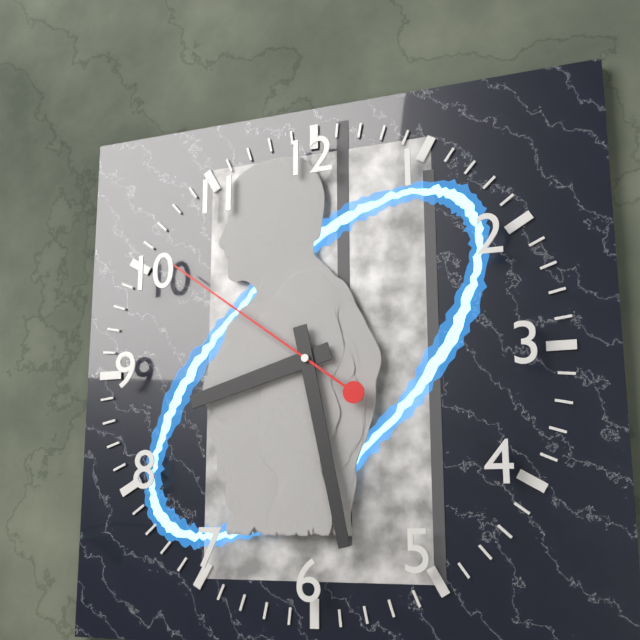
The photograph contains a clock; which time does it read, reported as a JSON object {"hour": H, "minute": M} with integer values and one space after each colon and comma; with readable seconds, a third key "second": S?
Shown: {"hour": 8, "minute": 28, "second": 51}
